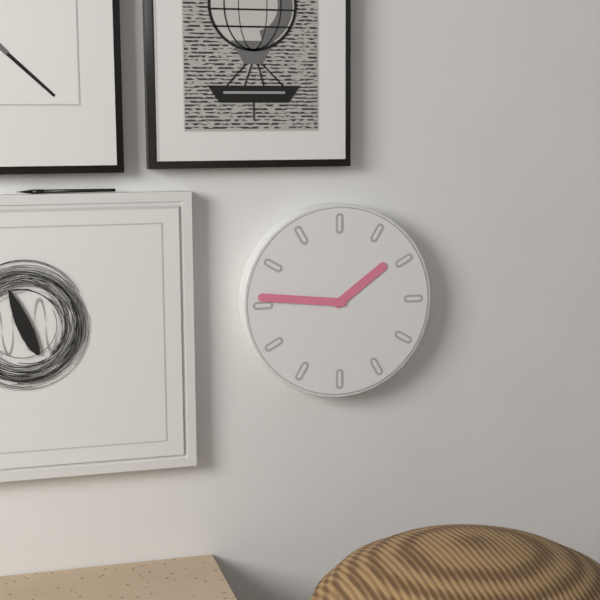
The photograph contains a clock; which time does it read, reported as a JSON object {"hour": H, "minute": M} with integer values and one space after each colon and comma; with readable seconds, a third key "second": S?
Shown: {"hour": 1, "minute": 46}
